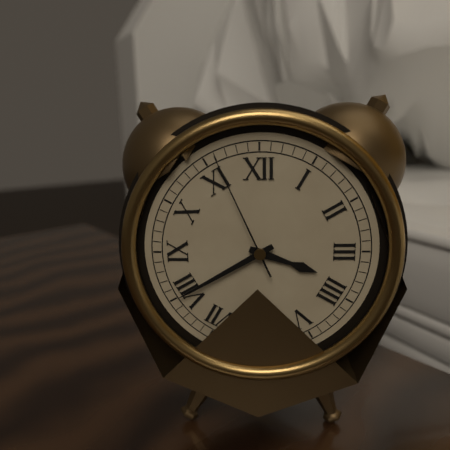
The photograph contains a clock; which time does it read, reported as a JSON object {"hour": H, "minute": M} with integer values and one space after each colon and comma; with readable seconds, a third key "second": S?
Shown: {"hour": 3, "minute": 40, "second": 56}
